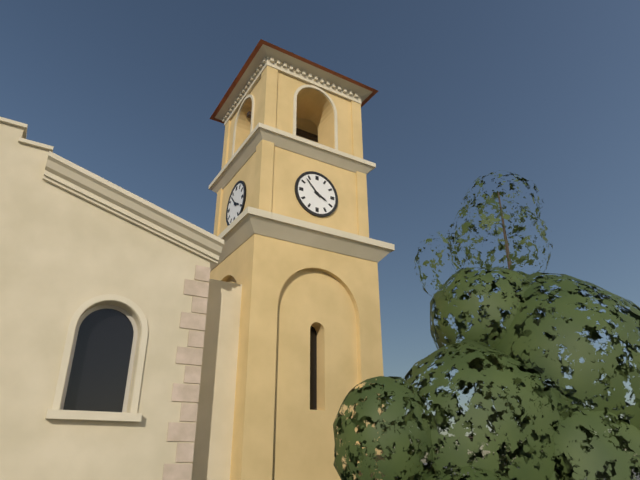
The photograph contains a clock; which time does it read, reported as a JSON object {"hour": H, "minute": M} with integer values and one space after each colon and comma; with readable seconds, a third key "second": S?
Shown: {"hour": 3, "minute": 53}
